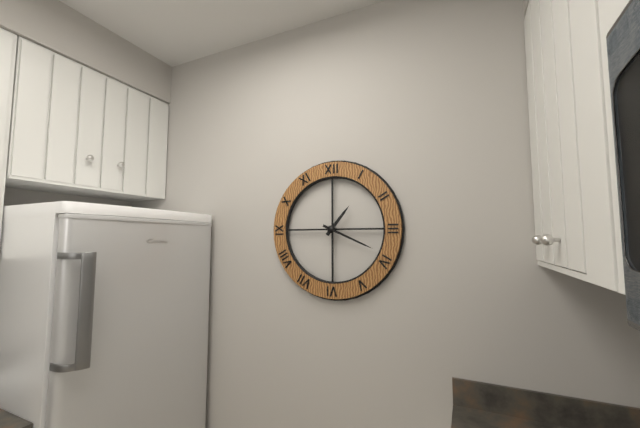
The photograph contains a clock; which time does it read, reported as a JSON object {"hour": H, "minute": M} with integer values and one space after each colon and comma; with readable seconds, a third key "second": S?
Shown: {"hour": 1, "minute": 19}
